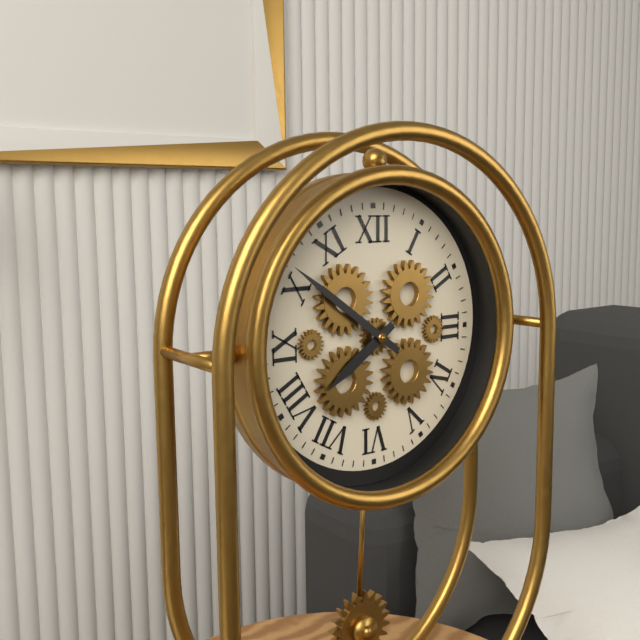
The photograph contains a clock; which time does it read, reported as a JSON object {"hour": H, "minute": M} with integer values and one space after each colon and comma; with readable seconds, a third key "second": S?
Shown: {"hour": 7, "minute": 51}
